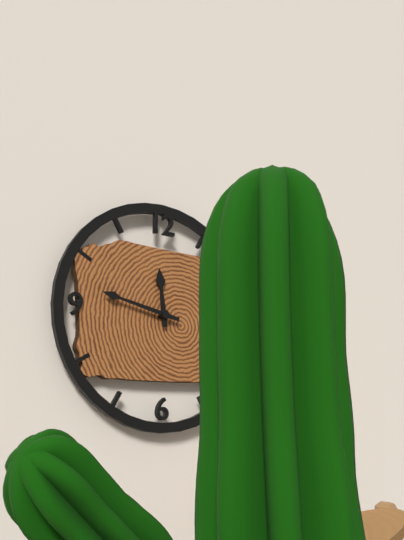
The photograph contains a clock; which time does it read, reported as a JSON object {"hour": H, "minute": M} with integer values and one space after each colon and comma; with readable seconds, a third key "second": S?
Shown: {"hour": 11, "minute": 47}
